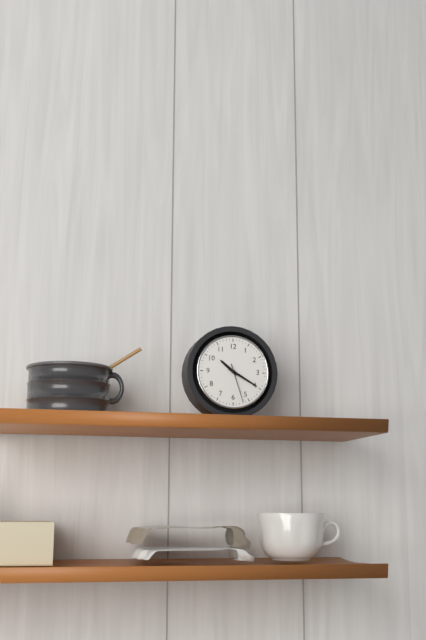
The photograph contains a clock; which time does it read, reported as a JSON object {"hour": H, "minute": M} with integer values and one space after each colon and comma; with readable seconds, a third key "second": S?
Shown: {"hour": 10, "minute": 20}
